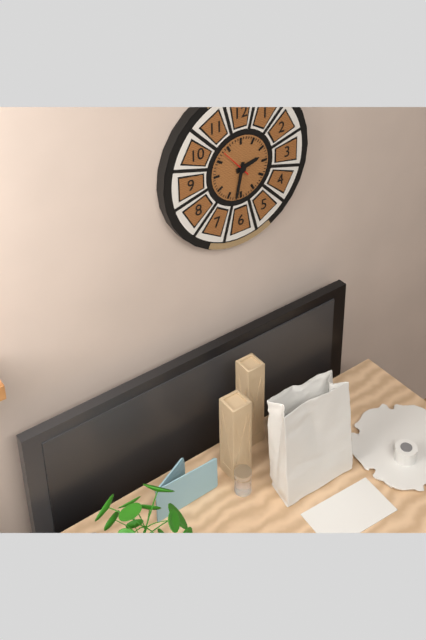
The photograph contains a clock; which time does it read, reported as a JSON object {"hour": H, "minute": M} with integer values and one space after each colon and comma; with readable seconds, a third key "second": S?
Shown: {"hour": 2, "minute": 32}
